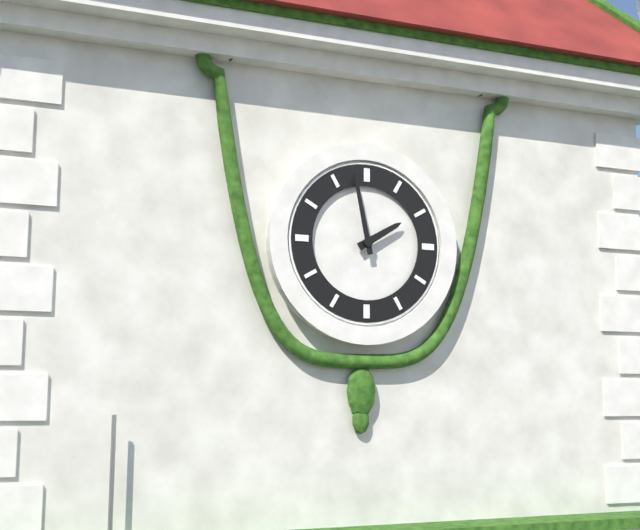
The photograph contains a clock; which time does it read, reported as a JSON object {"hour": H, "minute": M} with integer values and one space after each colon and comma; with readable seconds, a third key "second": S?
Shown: {"hour": 1, "minute": 58}
